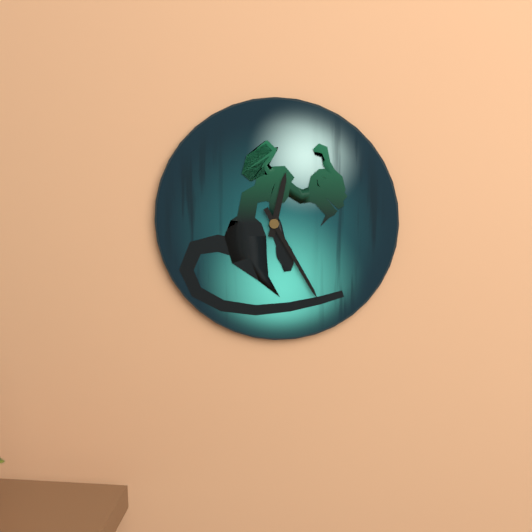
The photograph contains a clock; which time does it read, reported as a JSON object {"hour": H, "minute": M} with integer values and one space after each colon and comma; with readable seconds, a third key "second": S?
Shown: {"hour": 12, "minute": 25}
